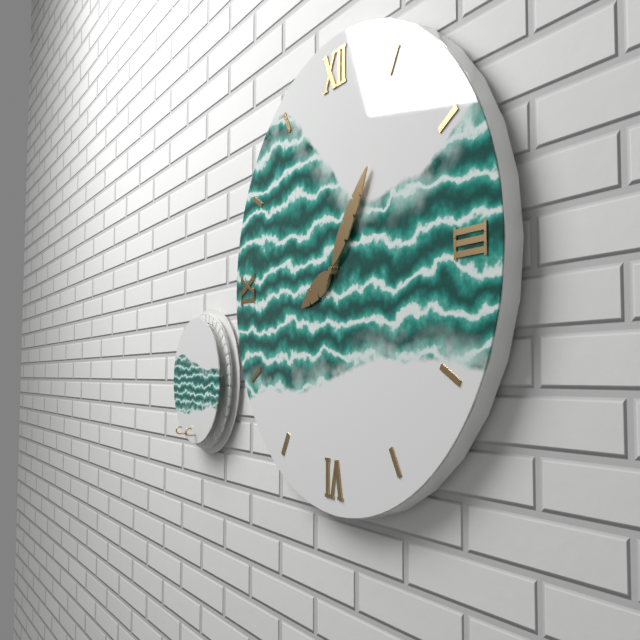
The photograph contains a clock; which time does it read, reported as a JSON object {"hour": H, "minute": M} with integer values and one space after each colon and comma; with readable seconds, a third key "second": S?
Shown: {"hour": 8, "minute": 6}
